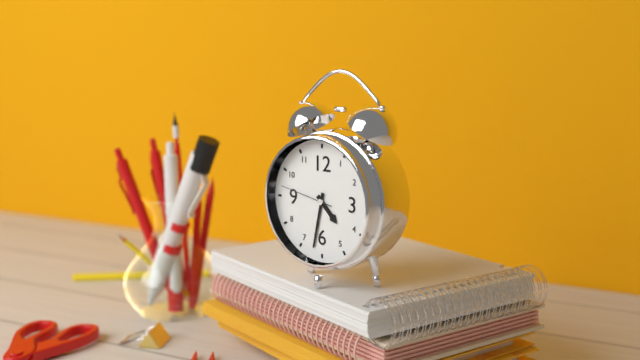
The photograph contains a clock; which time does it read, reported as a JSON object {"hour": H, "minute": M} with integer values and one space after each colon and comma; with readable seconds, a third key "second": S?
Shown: {"hour": 4, "minute": 32, "second": 47}
